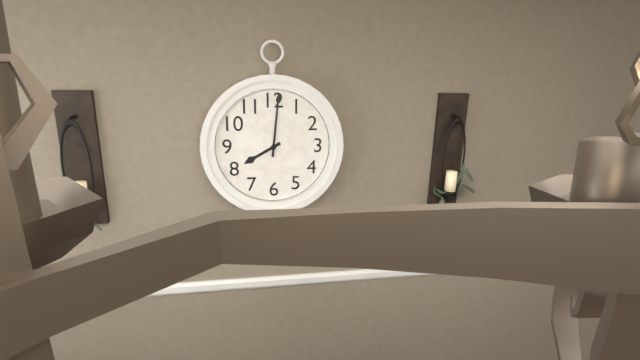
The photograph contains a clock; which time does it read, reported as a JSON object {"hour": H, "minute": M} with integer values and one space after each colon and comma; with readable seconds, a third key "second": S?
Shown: {"hour": 8, "minute": 1}
